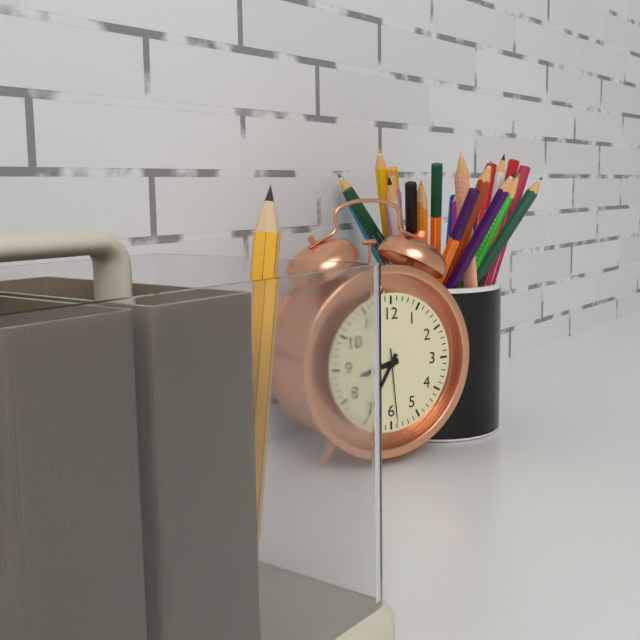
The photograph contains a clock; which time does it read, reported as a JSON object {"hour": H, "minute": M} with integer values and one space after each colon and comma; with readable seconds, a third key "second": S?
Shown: {"hour": 8, "minute": 35, "second": 29}
